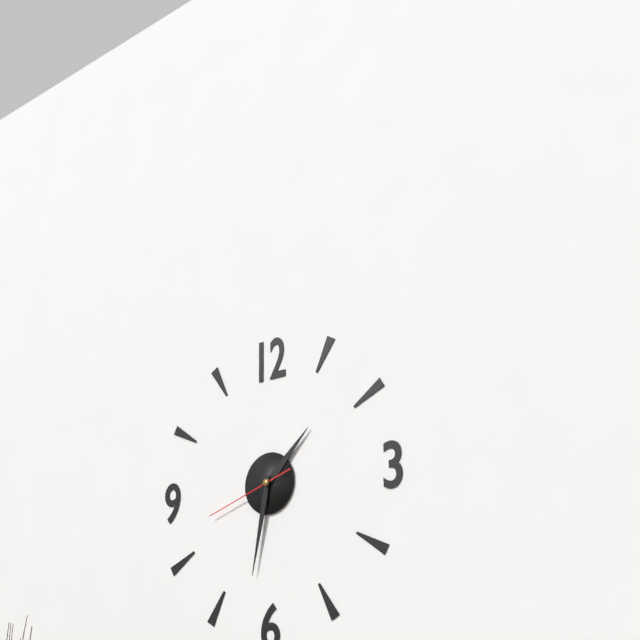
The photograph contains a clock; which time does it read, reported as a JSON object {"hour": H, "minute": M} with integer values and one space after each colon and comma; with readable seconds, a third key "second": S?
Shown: {"hour": 1, "minute": 32, "second": 42}
